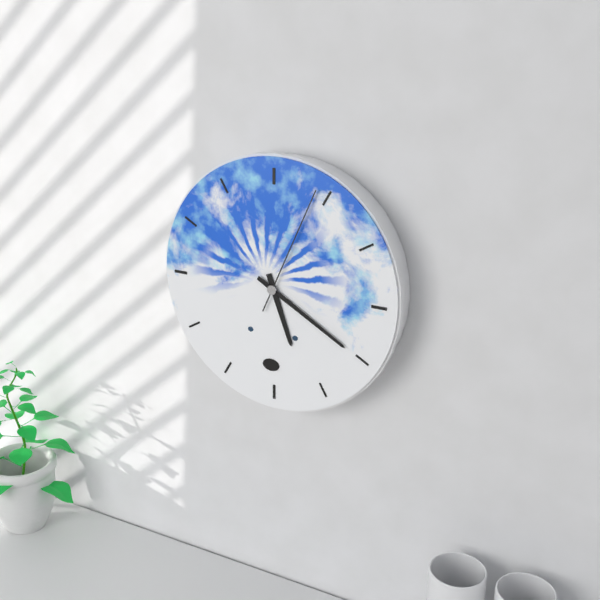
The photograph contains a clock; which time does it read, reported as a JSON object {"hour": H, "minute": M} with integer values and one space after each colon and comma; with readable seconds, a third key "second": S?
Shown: {"hour": 5, "minute": 20, "second": 4}
